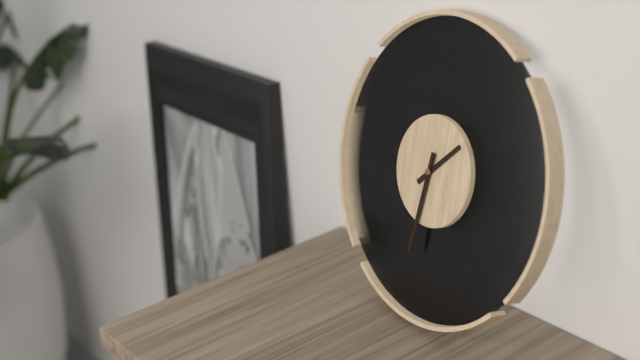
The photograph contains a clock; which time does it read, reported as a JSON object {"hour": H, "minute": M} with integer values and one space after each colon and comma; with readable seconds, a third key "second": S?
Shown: {"hour": 1, "minute": 31}
